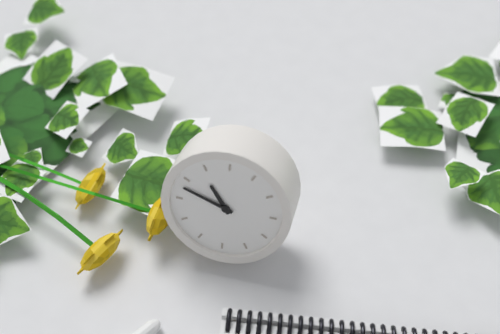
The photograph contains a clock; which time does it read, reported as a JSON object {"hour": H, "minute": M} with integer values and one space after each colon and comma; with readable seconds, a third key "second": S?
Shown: {"hour": 10, "minute": 48}
